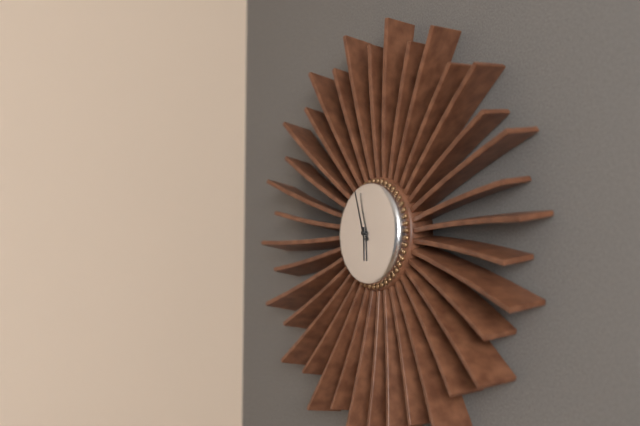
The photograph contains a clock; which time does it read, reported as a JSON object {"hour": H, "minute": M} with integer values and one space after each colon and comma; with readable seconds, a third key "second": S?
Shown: {"hour": 5, "minute": 57}
